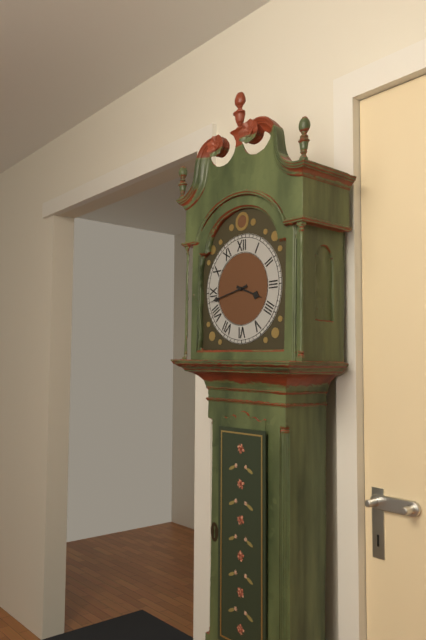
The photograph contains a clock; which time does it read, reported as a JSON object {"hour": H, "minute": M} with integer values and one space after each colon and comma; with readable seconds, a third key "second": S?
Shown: {"hour": 3, "minute": 43}
